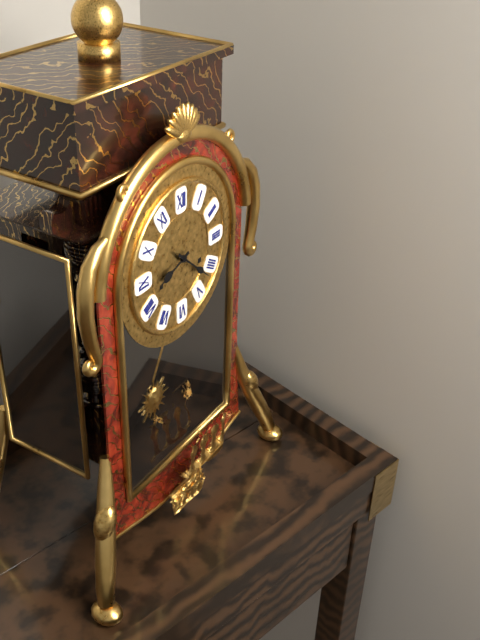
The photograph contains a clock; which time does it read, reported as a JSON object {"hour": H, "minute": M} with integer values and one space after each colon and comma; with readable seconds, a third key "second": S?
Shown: {"hour": 8, "minute": 22}
